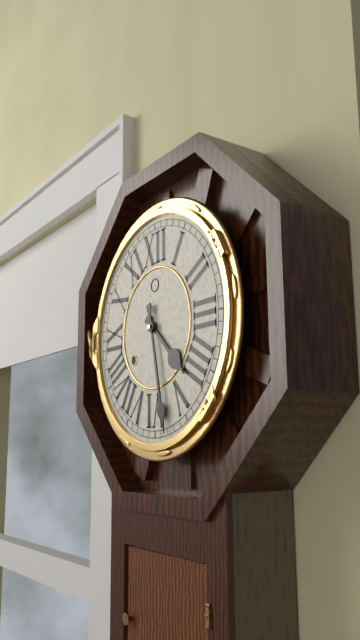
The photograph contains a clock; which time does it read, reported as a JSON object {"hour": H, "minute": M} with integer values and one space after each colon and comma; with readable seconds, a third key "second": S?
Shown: {"hour": 4, "minute": 28}
